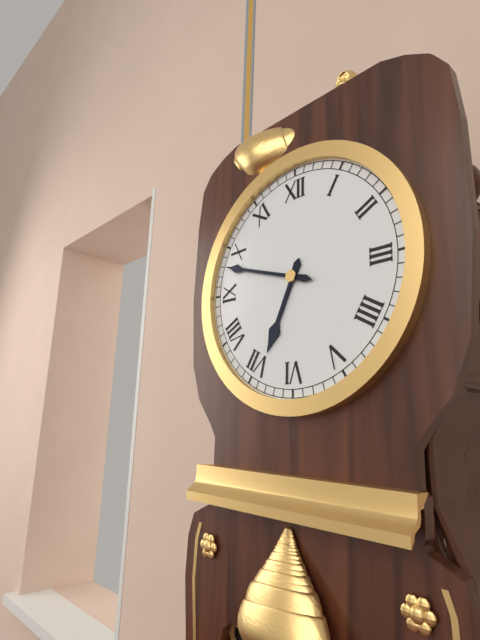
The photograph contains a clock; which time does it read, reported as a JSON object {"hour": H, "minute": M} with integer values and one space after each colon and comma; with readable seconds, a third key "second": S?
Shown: {"hour": 6, "minute": 48}
